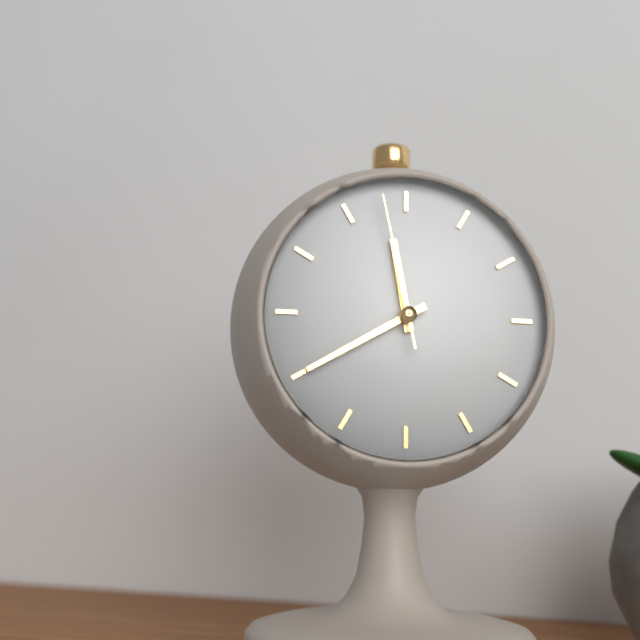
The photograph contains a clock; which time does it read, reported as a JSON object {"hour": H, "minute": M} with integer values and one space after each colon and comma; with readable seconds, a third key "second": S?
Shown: {"hour": 11, "minute": 40, "second": 58}
